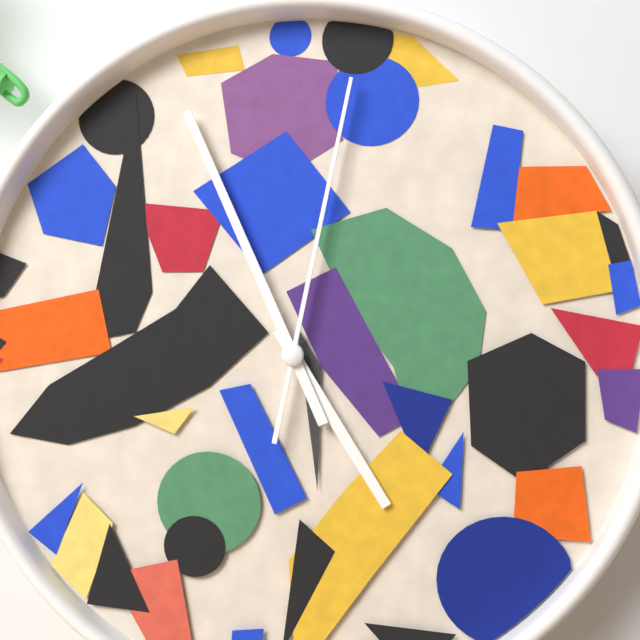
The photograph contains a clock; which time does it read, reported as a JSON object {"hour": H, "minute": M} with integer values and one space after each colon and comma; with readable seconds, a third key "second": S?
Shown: {"hour": 4, "minute": 56, "second": 2}
